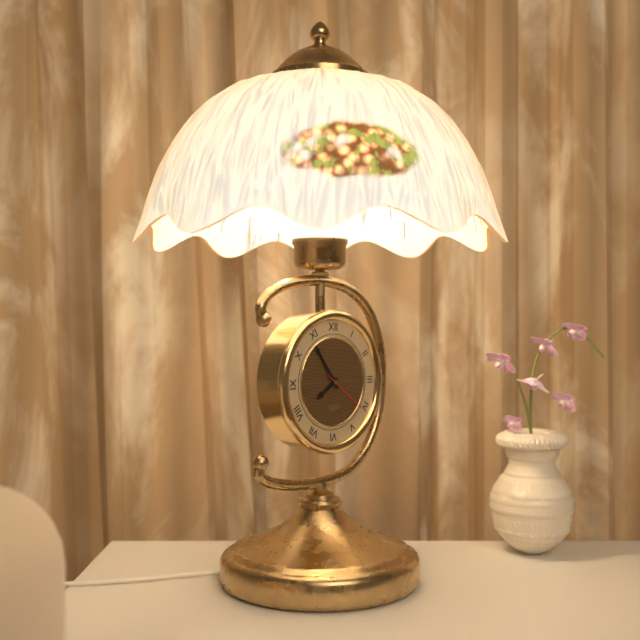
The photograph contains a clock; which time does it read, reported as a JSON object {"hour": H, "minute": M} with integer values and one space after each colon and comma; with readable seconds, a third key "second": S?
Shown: {"hour": 7, "minute": 54, "second": 21}
